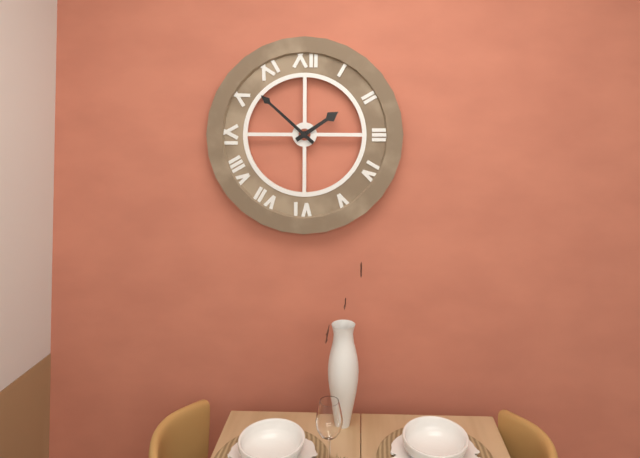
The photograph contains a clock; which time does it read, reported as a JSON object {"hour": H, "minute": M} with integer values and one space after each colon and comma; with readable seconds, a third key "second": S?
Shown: {"hour": 1, "minute": 52}
